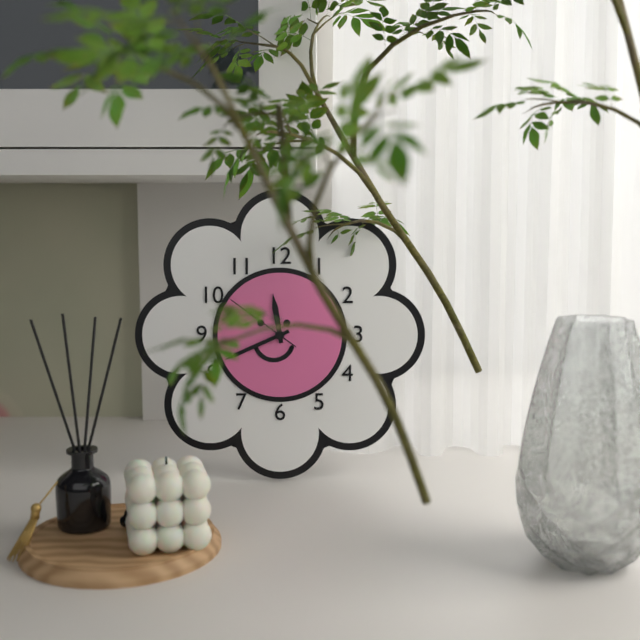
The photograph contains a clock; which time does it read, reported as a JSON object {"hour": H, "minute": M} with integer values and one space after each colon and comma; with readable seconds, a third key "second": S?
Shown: {"hour": 11, "minute": 41, "second": 51}
